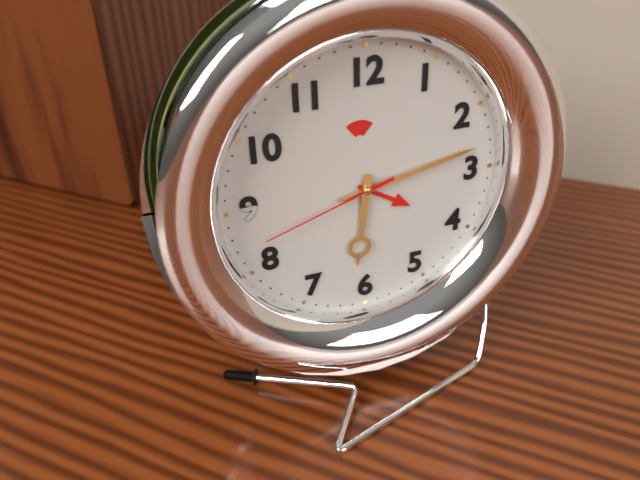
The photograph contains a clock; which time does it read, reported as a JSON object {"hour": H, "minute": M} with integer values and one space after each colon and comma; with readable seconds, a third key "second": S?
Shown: {"hour": 6, "minute": 13, "second": 42}
